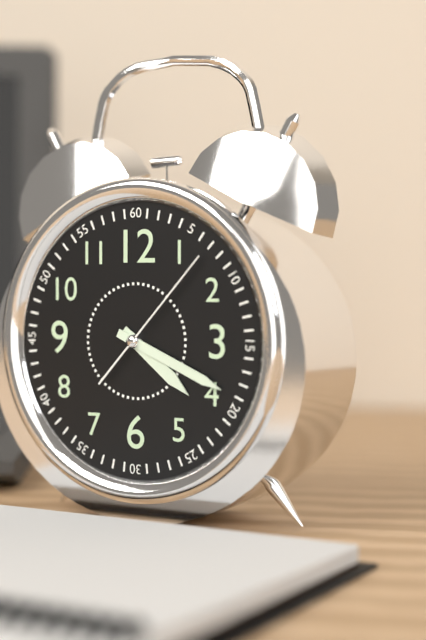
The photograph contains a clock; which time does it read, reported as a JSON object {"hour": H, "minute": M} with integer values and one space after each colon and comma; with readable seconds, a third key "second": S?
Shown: {"hour": 4, "minute": 19, "second": 7}
